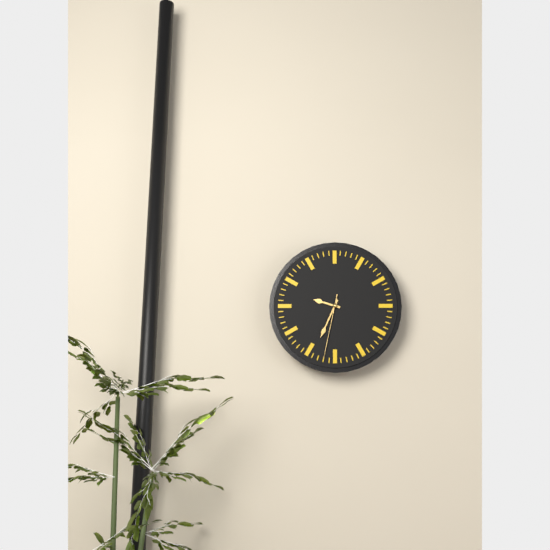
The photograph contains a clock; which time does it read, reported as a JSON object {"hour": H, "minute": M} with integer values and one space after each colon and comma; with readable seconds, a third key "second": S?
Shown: {"hour": 9, "minute": 34, "second": 32}
